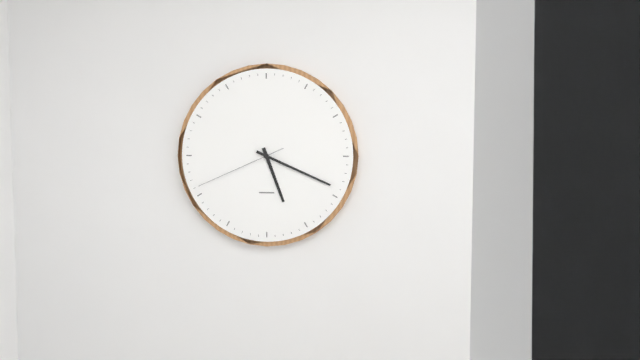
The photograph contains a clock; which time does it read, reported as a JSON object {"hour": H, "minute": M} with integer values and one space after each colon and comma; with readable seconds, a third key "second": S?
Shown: {"hour": 5, "minute": 19, "second": 41}
